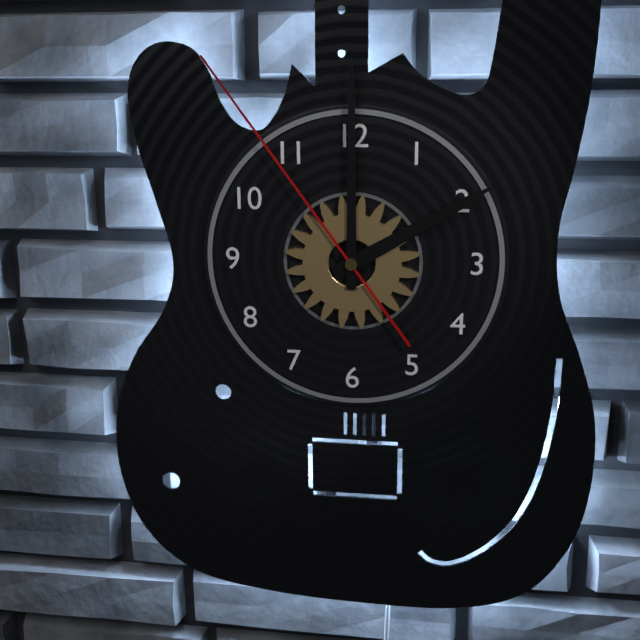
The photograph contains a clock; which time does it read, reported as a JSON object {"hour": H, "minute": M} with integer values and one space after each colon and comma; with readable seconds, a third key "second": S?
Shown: {"hour": 2, "minute": 0, "second": 54}
